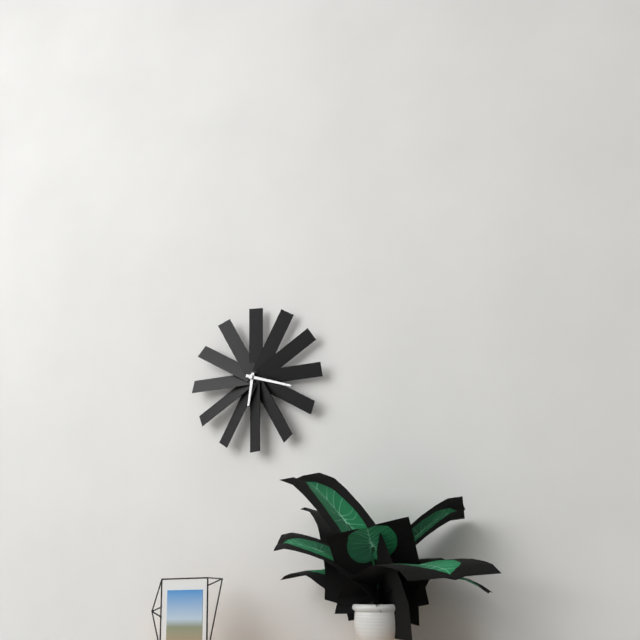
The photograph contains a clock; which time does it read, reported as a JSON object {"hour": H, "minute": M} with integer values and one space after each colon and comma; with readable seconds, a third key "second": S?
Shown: {"hour": 6, "minute": 18}
